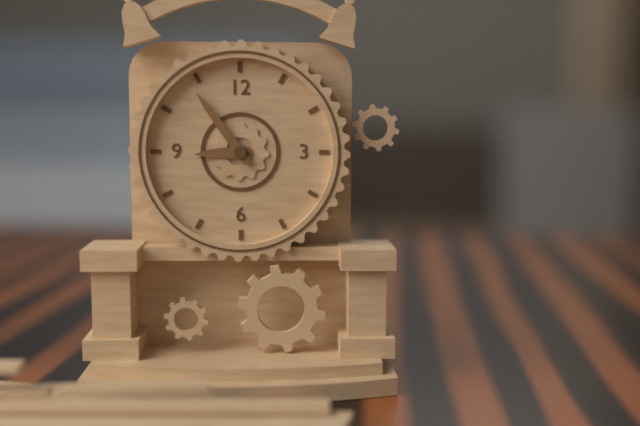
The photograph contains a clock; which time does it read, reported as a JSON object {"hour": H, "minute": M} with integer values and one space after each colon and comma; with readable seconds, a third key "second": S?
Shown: {"hour": 8, "minute": 54}
